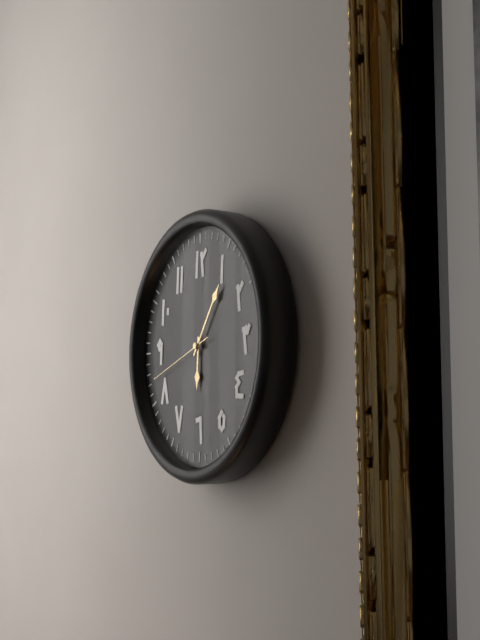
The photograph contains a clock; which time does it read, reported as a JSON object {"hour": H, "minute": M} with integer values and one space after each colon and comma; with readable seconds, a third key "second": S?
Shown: {"hour": 6, "minute": 6, "second": 42}
